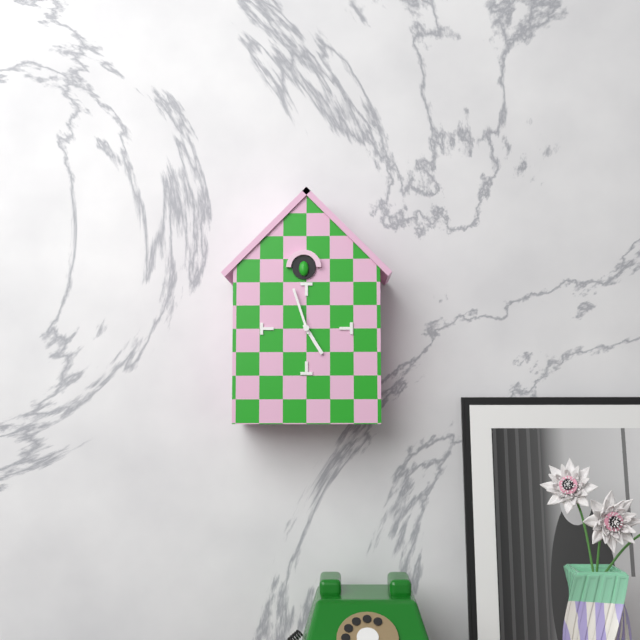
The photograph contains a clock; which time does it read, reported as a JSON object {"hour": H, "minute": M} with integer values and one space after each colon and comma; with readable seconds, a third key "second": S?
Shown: {"hour": 4, "minute": 57}
